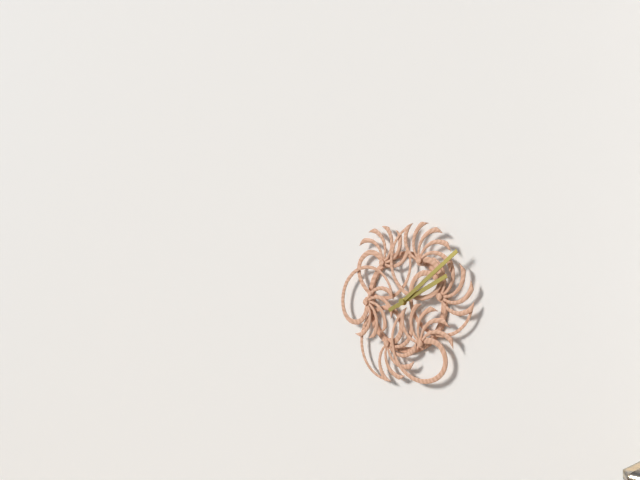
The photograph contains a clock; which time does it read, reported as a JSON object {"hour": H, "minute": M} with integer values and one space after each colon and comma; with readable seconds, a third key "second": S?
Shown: {"hour": 2, "minute": 9}
